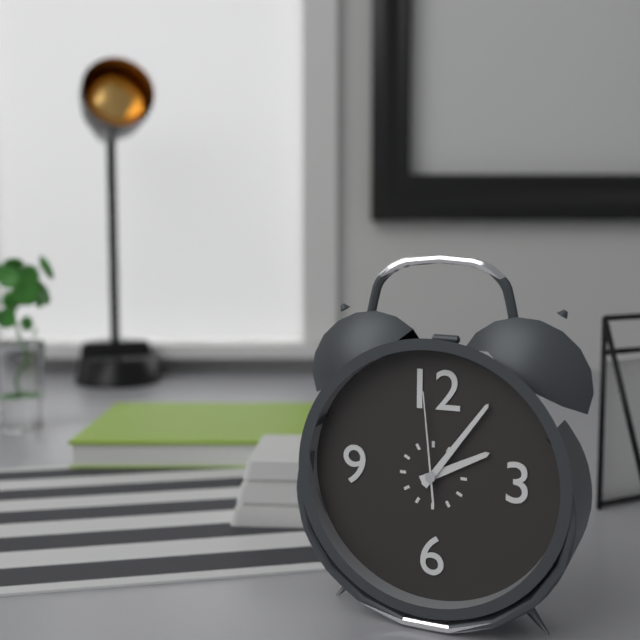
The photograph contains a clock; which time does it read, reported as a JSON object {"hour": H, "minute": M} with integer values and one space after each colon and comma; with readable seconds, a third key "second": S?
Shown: {"hour": 2, "minute": 6, "second": 59}
